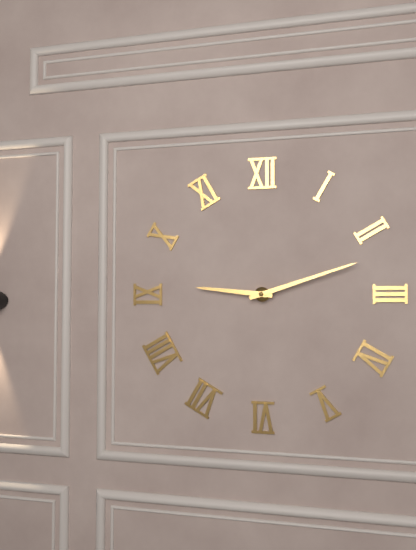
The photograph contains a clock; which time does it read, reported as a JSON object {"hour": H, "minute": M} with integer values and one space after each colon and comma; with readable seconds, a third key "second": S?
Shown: {"hour": 9, "minute": 12}
